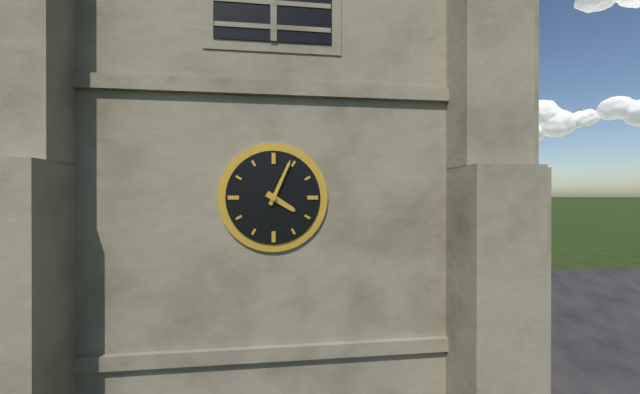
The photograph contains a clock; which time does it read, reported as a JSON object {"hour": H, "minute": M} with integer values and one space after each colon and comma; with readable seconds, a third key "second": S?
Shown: {"hour": 4, "minute": 4}
